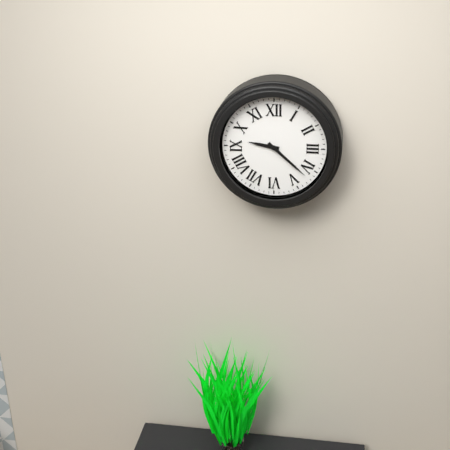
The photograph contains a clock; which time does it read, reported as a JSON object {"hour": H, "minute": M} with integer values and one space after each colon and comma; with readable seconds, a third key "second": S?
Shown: {"hour": 9, "minute": 22}
